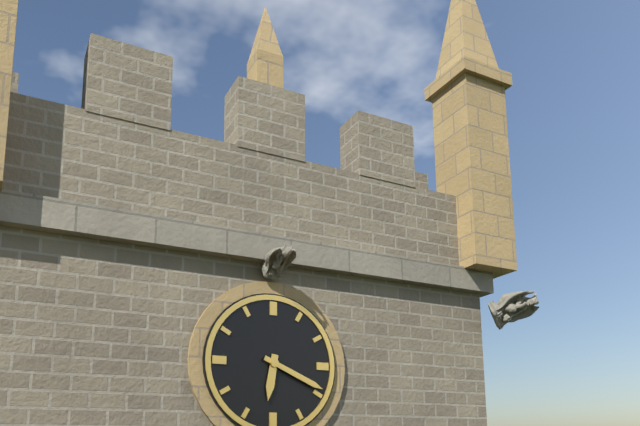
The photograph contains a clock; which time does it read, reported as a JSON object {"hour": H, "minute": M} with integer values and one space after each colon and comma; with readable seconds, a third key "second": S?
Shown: {"hour": 6, "minute": 19}
